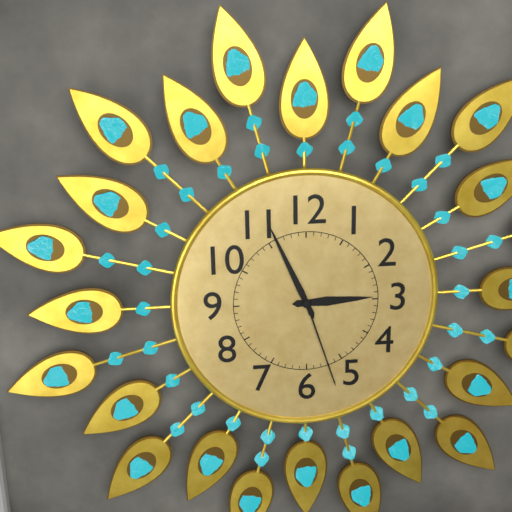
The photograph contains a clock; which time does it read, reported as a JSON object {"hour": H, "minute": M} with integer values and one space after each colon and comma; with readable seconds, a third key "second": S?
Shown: {"hour": 2, "minute": 56, "second": 27}
